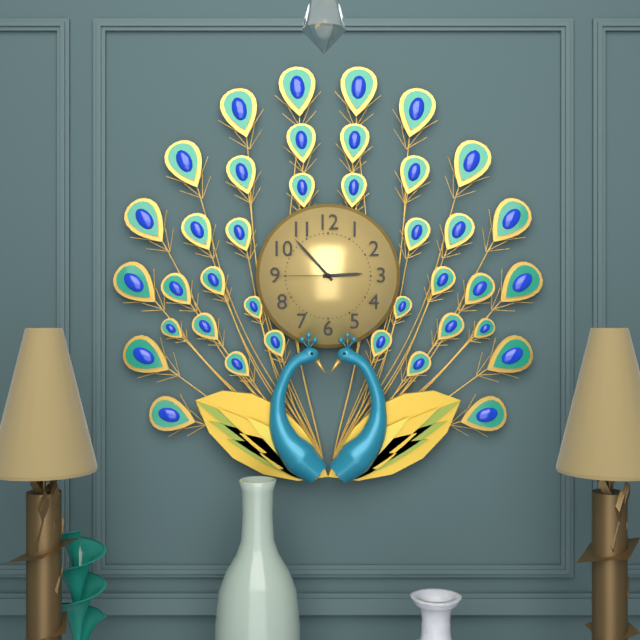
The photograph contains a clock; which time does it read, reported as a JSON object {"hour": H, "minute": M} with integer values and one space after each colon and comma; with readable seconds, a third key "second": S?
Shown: {"hour": 2, "minute": 53, "second": 45}
